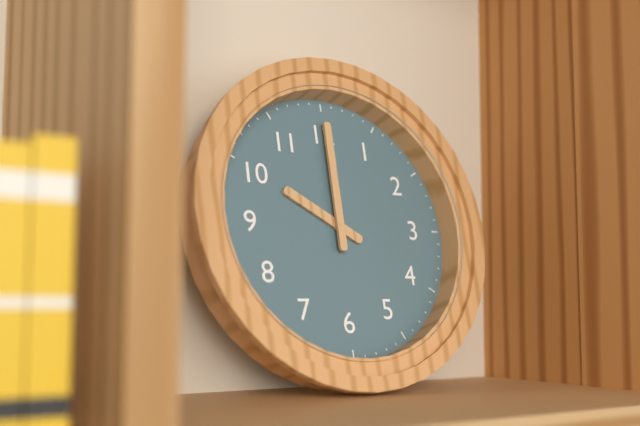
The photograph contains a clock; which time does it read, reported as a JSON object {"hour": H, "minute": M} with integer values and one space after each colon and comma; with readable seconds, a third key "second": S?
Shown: {"hour": 10, "minute": 0}
